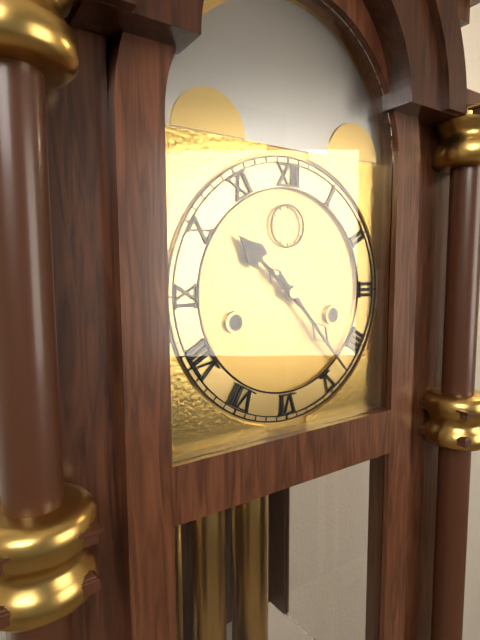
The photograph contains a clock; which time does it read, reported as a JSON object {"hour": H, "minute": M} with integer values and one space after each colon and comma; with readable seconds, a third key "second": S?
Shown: {"hour": 10, "minute": 23}
